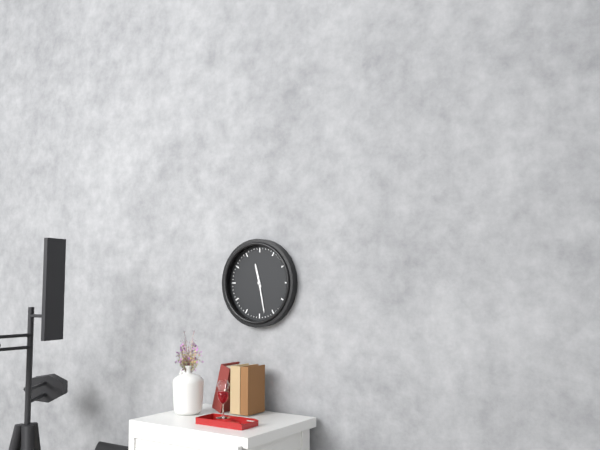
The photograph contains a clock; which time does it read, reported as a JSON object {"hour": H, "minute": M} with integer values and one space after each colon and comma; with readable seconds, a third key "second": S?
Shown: {"hour": 11, "minute": 28}
